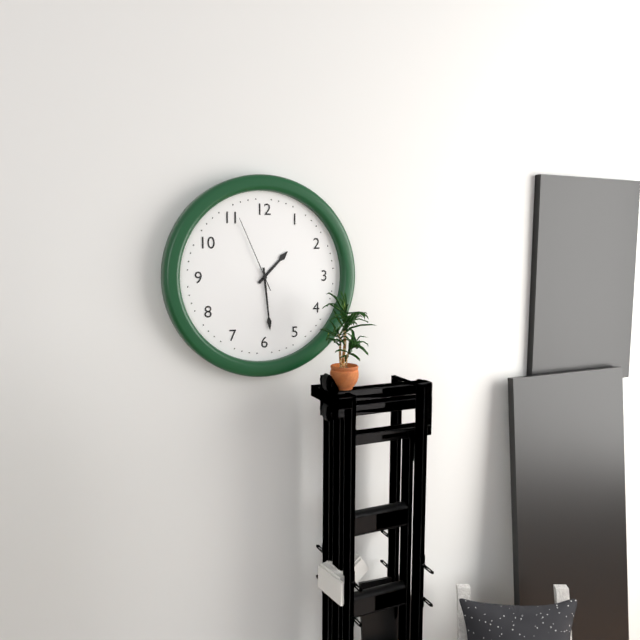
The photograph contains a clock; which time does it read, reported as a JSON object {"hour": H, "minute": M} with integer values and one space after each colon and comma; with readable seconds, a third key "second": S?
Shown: {"hour": 1, "minute": 29, "second": 56}
